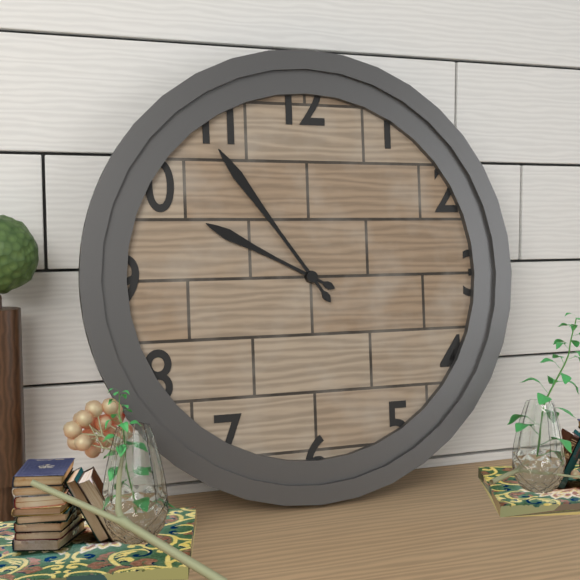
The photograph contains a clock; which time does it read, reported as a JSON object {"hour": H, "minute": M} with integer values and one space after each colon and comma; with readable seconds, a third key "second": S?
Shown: {"hour": 9, "minute": 54}
